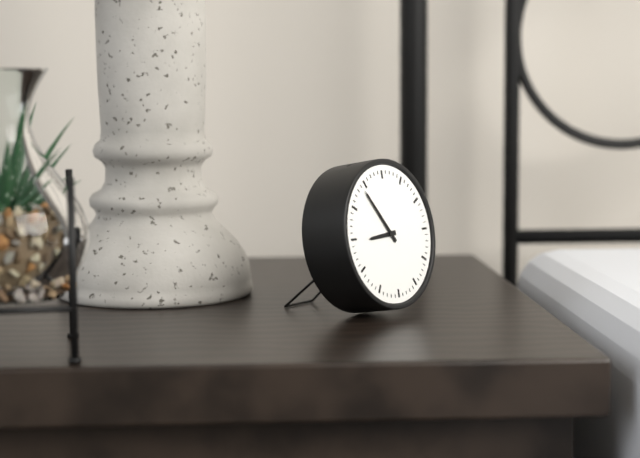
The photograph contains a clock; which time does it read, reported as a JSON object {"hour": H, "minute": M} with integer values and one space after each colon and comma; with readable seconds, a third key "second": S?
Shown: {"hour": 8, "minute": 54}
